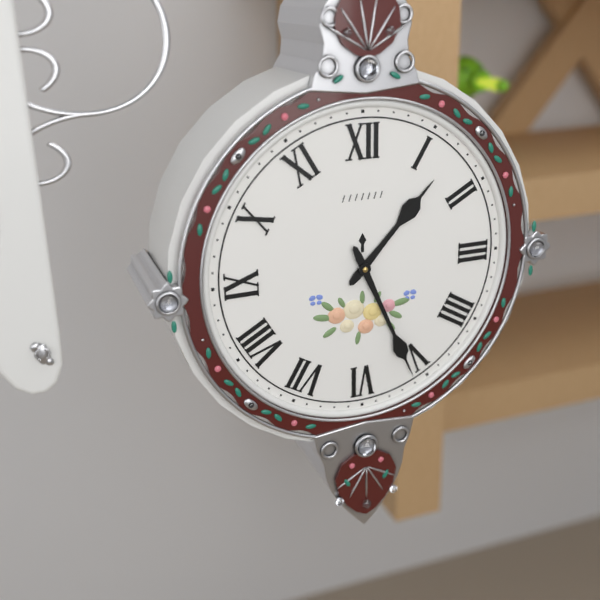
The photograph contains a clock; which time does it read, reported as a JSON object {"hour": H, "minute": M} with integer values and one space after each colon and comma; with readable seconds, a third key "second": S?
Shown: {"hour": 1, "minute": 26}
